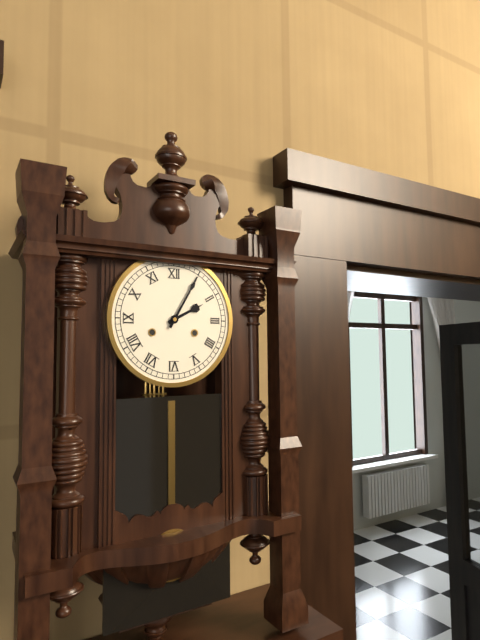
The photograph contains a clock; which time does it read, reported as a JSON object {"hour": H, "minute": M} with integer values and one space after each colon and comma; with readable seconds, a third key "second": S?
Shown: {"hour": 2, "minute": 5}
